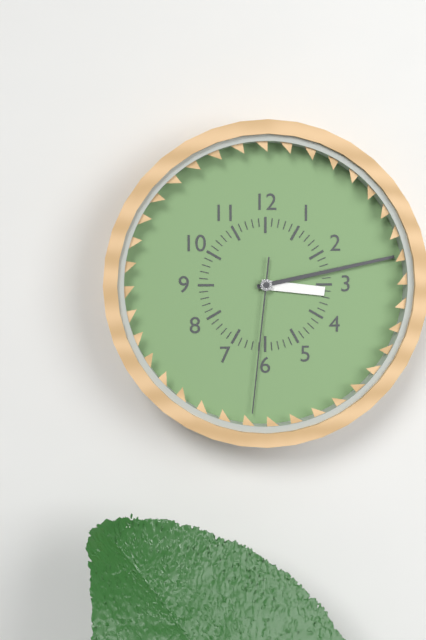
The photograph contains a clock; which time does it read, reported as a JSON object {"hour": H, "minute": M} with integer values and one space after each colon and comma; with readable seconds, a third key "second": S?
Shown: {"hour": 3, "minute": 13, "second": 31}
